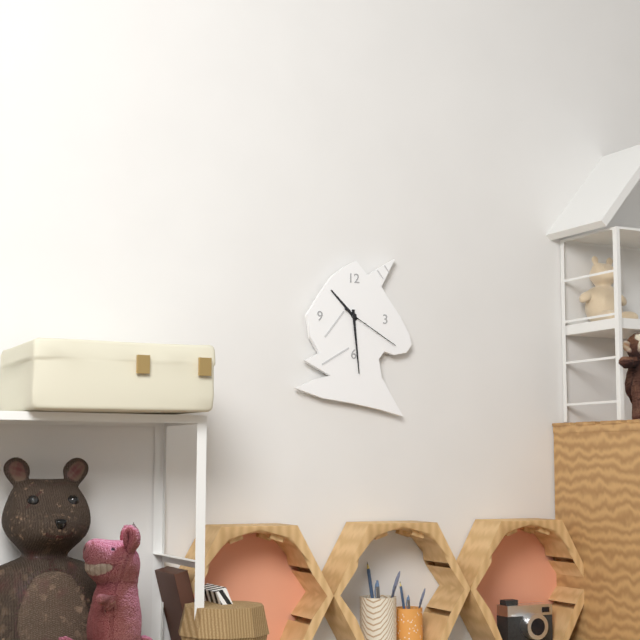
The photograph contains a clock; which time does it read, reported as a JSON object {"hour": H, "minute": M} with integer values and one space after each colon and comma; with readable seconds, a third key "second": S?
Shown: {"hour": 10, "minute": 29, "second": 20}
